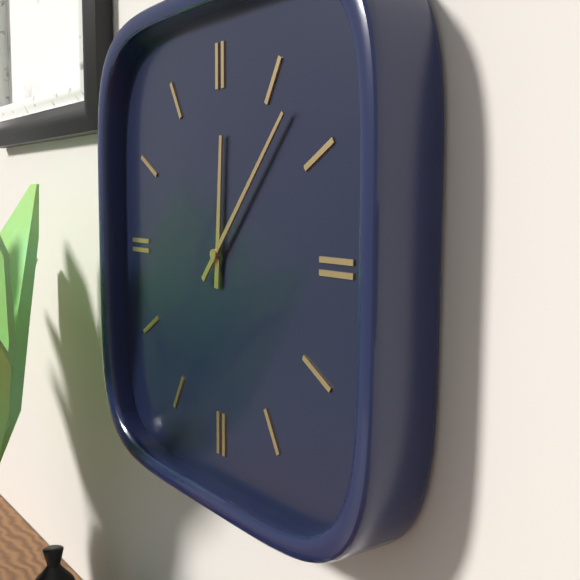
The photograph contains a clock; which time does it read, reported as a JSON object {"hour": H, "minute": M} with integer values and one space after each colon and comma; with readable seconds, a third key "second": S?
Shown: {"hour": 12, "minute": 7}
